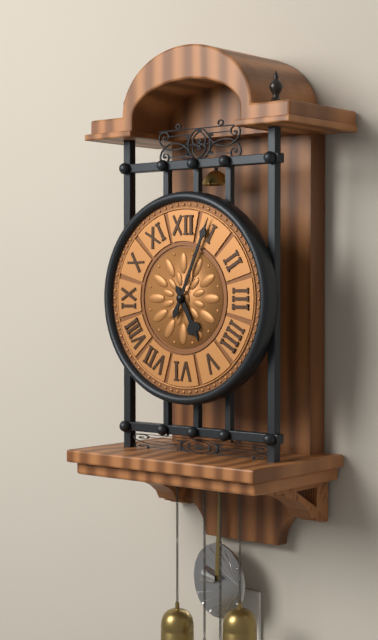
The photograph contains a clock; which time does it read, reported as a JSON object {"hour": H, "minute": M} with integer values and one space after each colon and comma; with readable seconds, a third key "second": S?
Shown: {"hour": 5, "minute": 4}
